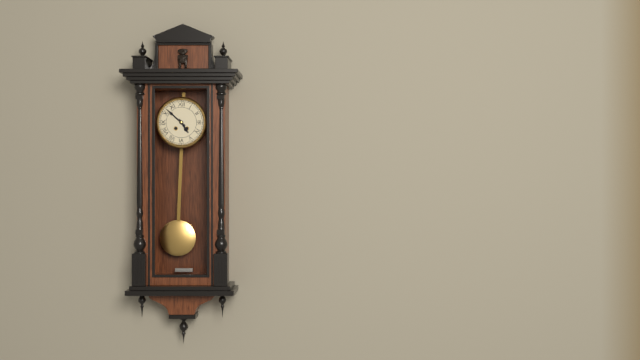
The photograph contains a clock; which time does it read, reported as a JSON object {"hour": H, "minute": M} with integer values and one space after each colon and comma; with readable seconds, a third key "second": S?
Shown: {"hour": 4, "minute": 52}
